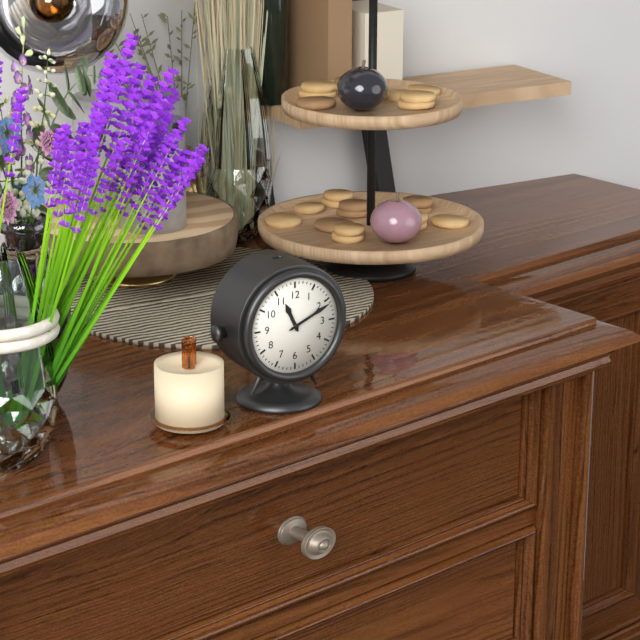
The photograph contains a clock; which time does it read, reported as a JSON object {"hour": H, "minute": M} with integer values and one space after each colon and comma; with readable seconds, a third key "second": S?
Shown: {"hour": 11, "minute": 11}
